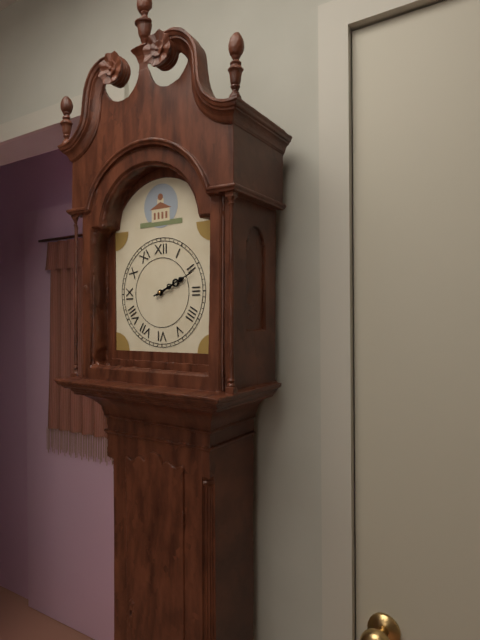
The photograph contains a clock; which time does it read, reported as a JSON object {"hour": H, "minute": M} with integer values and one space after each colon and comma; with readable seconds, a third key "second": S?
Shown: {"hour": 2, "minute": 11}
